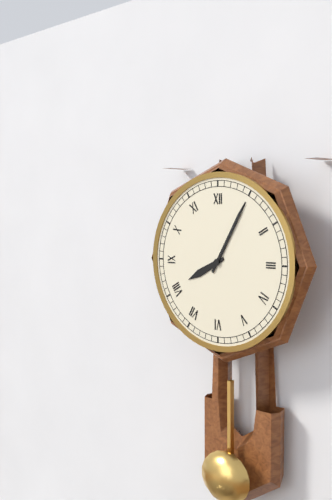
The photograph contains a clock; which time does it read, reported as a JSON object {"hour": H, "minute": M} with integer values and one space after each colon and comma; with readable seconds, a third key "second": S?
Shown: {"hour": 8, "minute": 5}
